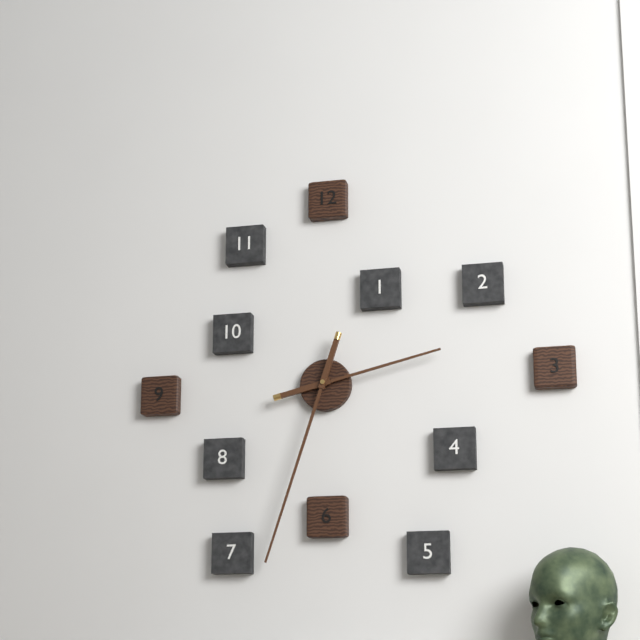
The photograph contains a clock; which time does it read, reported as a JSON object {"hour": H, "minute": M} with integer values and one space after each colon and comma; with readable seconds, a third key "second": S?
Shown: {"hour": 2, "minute": 33}
